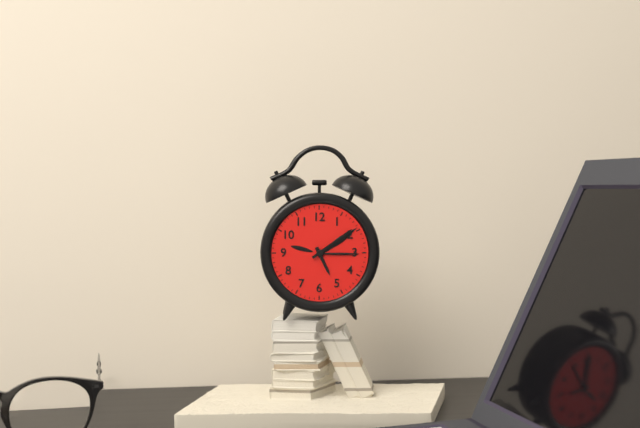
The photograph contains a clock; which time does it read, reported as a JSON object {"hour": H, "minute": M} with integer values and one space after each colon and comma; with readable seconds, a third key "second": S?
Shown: {"hour": 5, "minute": 9}
